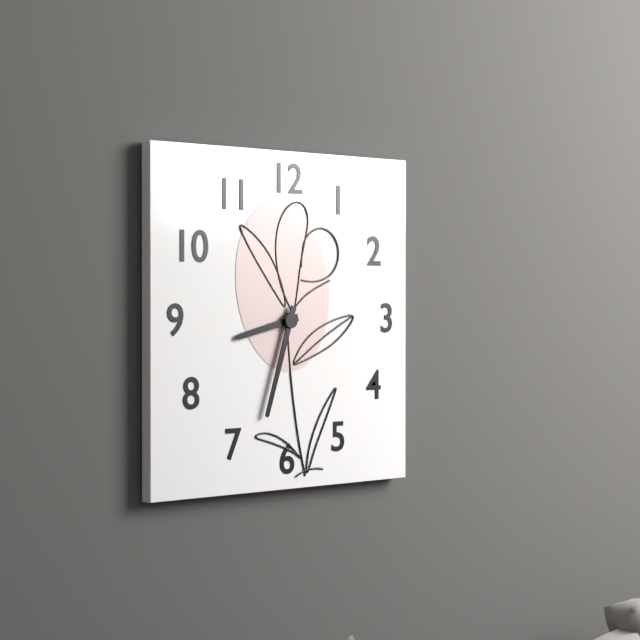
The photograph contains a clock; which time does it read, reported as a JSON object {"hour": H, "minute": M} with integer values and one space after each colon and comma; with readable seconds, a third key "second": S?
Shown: {"hour": 8, "minute": 33}
